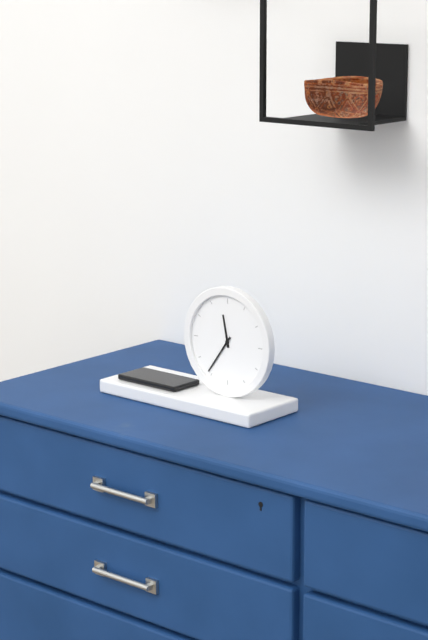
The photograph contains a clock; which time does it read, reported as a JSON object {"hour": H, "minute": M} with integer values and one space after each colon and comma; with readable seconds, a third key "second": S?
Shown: {"hour": 11, "minute": 36}
